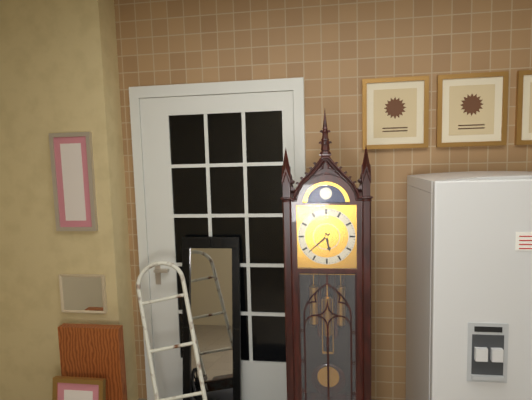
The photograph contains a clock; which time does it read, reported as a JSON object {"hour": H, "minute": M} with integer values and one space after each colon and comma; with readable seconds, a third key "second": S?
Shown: {"hour": 5, "minute": 38}
